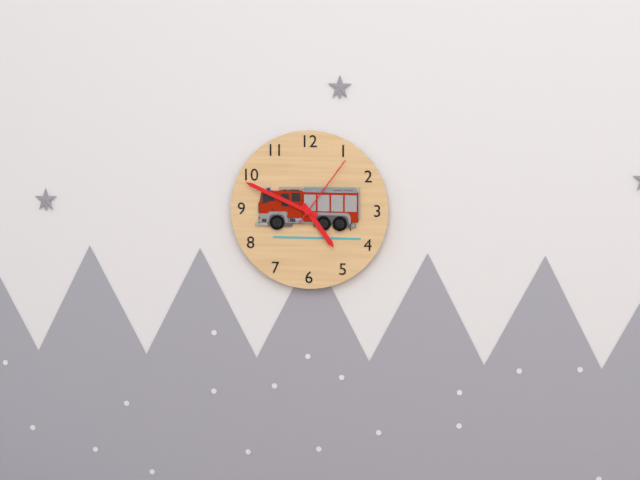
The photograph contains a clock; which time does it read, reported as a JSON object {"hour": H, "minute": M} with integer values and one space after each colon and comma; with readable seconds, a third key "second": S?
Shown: {"hour": 4, "minute": 49, "second": 6}
